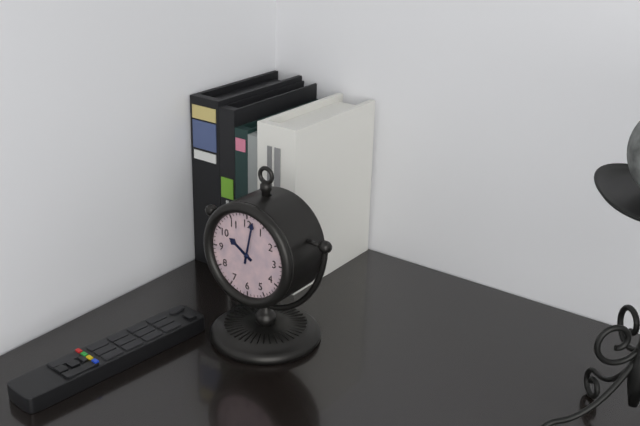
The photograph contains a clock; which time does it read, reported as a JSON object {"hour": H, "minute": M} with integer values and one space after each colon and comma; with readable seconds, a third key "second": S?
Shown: {"hour": 10, "minute": 2}
